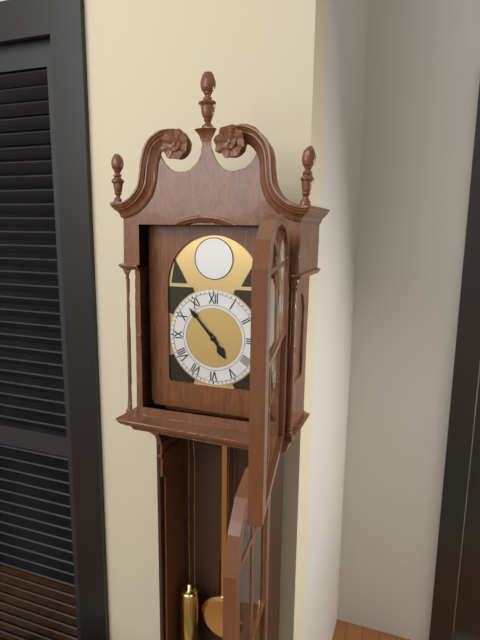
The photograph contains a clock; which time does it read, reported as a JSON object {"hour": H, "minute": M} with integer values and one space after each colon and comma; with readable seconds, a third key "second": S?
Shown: {"hour": 4, "minute": 53}
